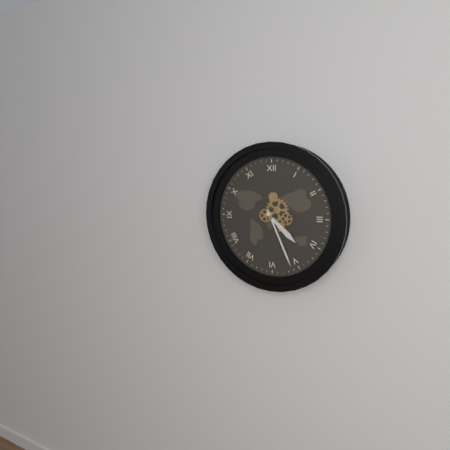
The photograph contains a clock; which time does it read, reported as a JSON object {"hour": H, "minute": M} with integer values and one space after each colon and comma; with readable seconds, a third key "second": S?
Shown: {"hour": 4, "minute": 26}
